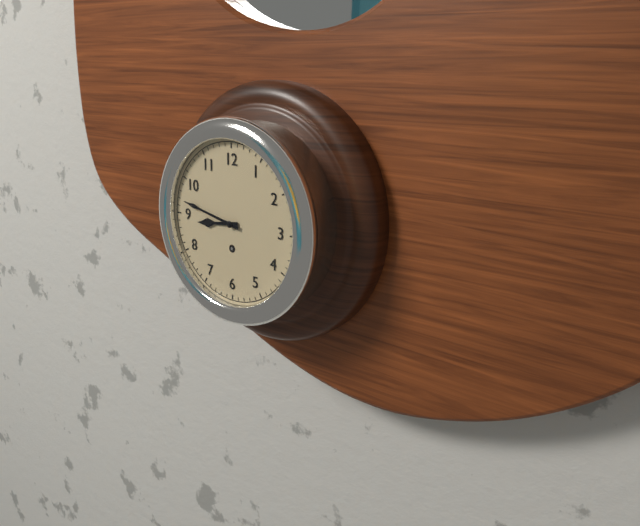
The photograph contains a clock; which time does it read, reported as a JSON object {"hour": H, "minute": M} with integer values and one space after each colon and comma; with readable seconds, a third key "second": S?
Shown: {"hour": 8, "minute": 47}
